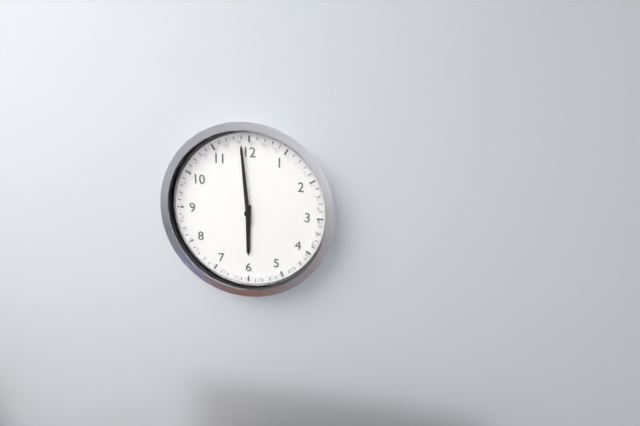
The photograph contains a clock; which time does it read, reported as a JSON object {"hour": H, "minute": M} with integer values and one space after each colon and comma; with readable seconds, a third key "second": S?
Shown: {"hour": 5, "minute": 59}
